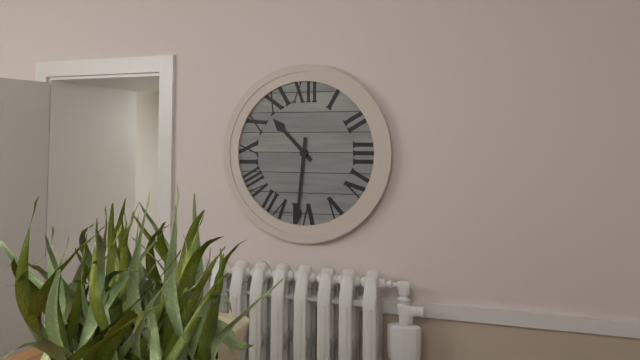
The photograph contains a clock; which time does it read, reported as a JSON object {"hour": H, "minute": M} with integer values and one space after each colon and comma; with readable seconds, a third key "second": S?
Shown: {"hour": 10, "minute": 31}
